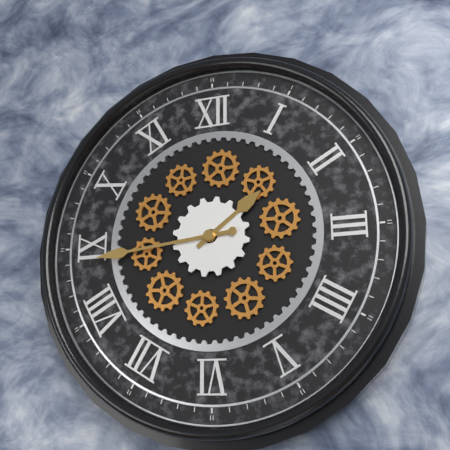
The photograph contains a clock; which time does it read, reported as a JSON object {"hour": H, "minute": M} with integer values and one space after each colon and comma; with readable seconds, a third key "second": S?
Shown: {"hour": 1, "minute": 44}
